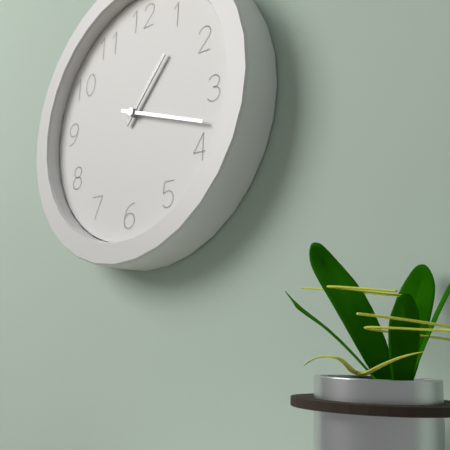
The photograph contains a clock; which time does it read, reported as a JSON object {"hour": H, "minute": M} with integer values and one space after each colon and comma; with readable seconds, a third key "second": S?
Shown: {"hour": 1, "minute": 18}
